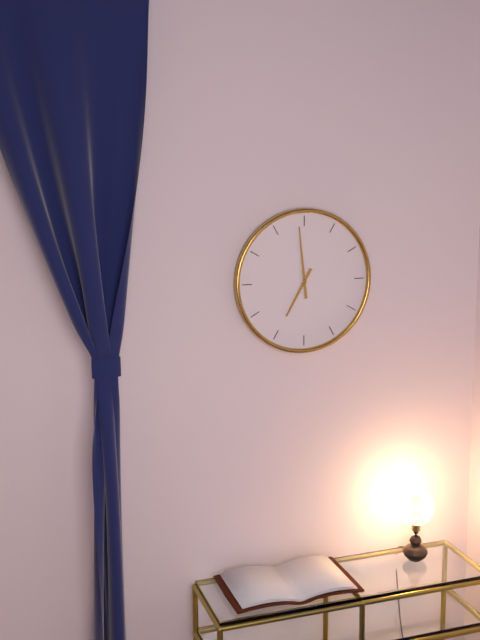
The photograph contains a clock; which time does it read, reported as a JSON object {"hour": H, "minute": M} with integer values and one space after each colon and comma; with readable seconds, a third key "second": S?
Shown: {"hour": 6, "minute": 59}
